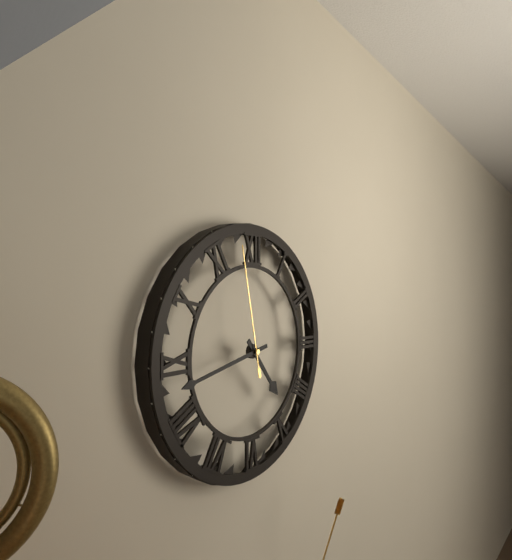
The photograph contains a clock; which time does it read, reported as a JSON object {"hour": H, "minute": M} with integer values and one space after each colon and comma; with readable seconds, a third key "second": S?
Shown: {"hour": 4, "minute": 43, "second": 58}
